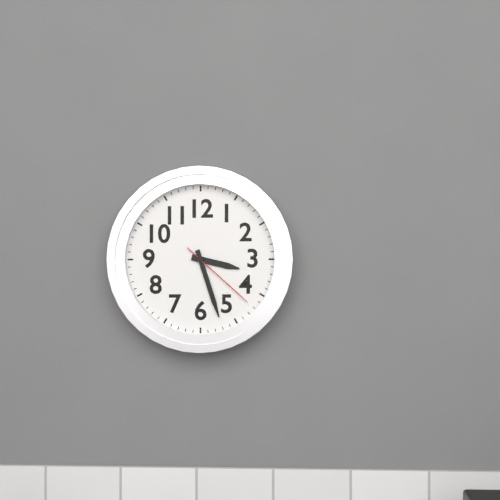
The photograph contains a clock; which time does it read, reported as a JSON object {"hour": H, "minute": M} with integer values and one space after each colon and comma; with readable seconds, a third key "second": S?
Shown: {"hour": 3, "minute": 27, "second": 22}
